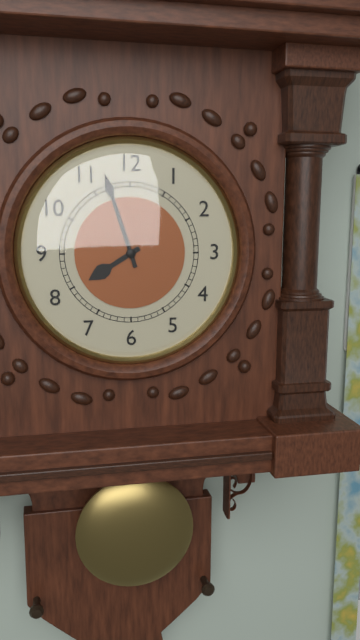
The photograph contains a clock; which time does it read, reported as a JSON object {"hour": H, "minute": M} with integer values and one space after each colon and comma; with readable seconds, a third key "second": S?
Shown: {"hour": 7, "minute": 57}
